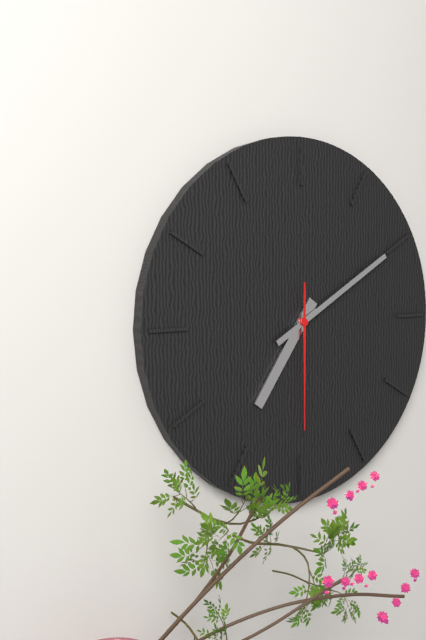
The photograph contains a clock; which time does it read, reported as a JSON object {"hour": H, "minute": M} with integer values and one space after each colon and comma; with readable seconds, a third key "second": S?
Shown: {"hour": 7, "minute": 10, "second": 30}
